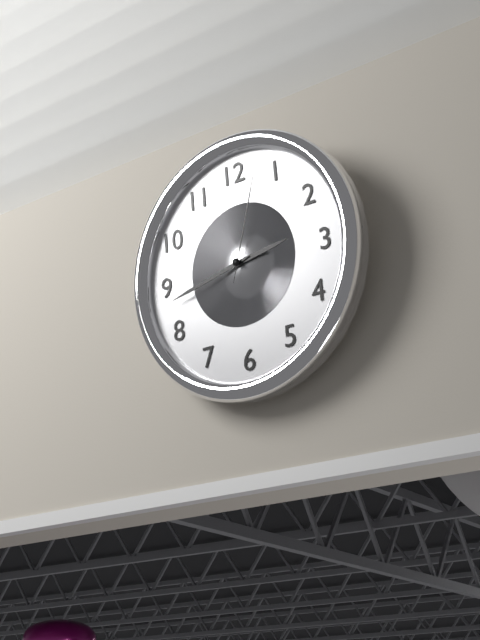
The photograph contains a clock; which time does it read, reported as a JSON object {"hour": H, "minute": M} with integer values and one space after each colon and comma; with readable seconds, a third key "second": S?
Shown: {"hour": 2, "minute": 43, "second": 3}
